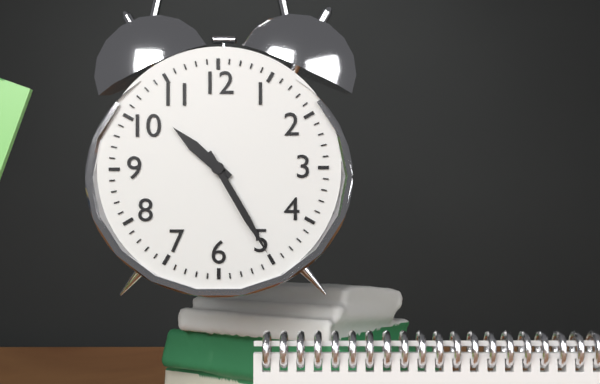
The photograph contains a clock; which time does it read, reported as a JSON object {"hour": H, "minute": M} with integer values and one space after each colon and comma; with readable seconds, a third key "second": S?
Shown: {"hour": 10, "minute": 25}
